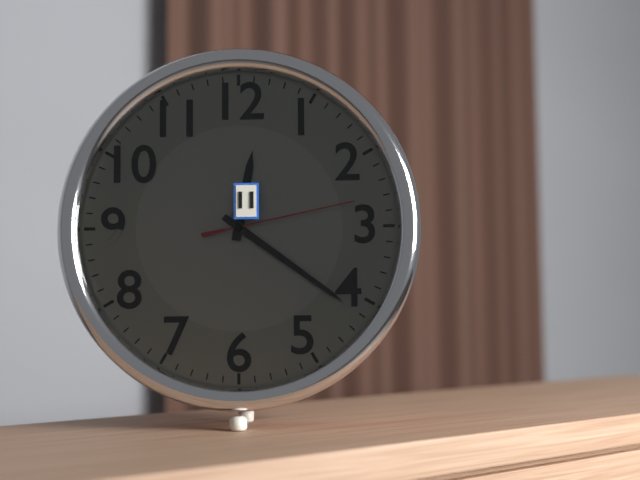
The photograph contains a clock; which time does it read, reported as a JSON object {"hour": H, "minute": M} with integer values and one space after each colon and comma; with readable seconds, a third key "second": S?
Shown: {"hour": 12, "minute": 21, "second": 13}
